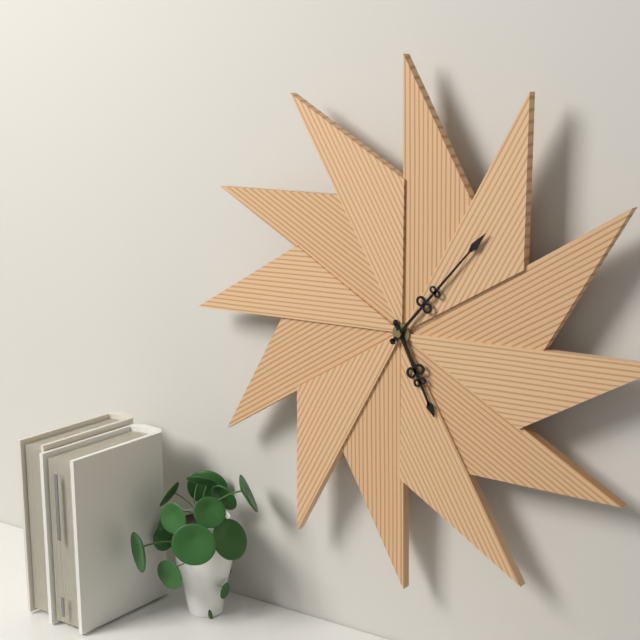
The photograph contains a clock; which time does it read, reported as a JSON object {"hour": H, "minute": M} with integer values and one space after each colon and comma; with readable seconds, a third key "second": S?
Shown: {"hour": 5, "minute": 7}
